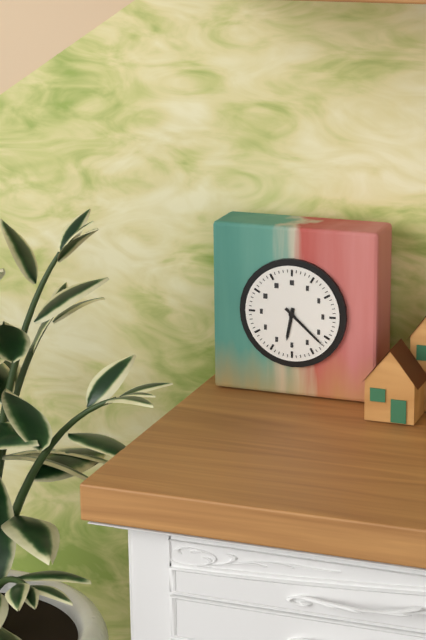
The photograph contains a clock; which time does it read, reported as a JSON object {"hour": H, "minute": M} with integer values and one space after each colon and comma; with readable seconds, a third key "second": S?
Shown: {"hour": 6, "minute": 22}
